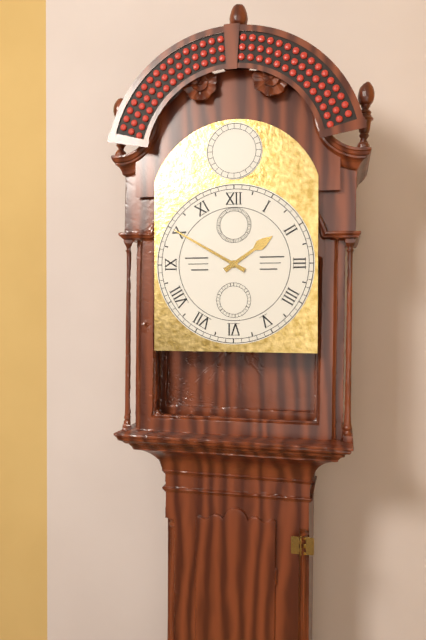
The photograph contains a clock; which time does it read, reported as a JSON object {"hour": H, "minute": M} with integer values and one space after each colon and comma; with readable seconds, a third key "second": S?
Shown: {"hour": 1, "minute": 50}
